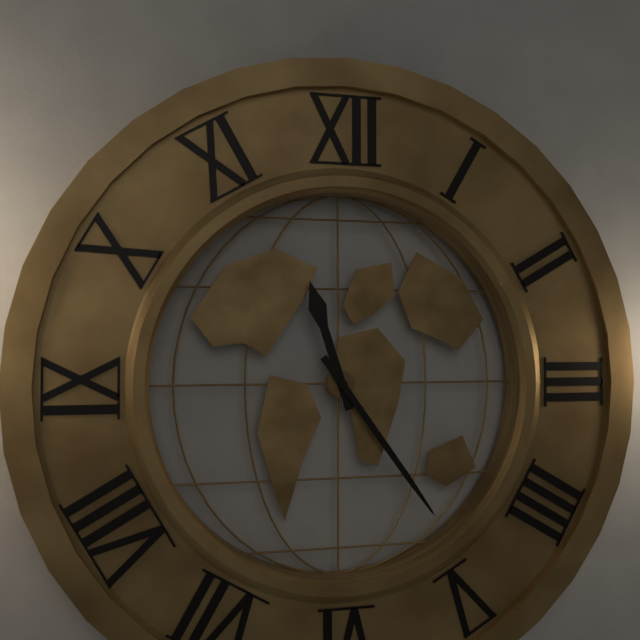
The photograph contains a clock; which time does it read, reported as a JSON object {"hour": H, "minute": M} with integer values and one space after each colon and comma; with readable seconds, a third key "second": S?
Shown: {"hour": 11, "minute": 24}
